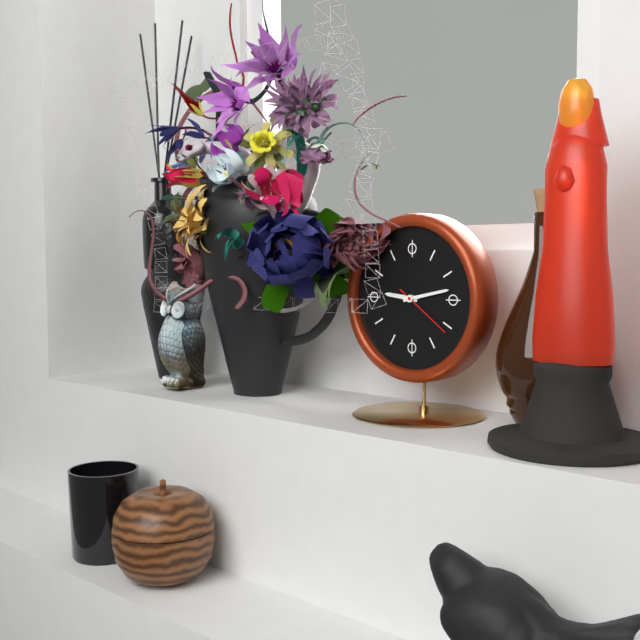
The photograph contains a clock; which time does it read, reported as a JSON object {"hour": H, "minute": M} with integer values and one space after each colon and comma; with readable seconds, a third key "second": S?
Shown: {"hour": 9, "minute": 13, "second": 21}
